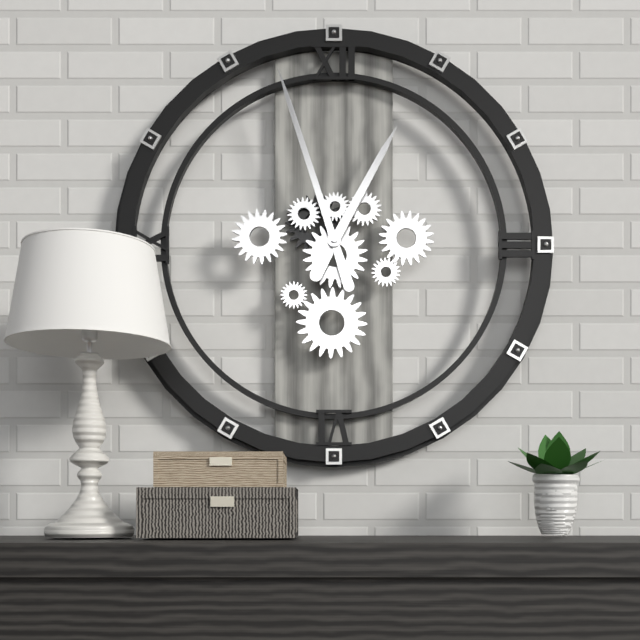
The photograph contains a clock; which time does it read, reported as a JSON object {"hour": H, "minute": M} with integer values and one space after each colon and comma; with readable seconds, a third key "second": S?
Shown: {"hour": 12, "minute": 57}
